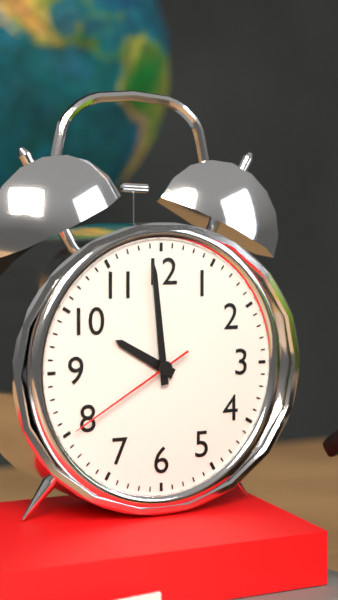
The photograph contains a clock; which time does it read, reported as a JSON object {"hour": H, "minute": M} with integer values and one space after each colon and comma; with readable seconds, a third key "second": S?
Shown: {"hour": 9, "minute": 59, "second": 40}
